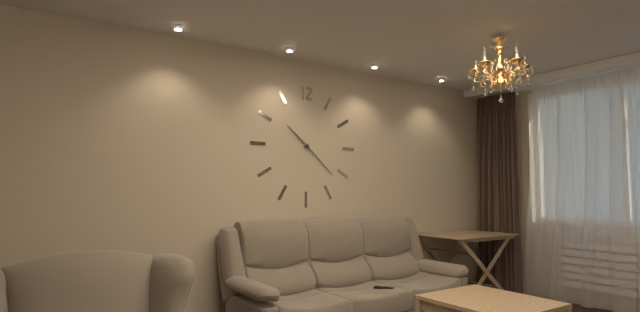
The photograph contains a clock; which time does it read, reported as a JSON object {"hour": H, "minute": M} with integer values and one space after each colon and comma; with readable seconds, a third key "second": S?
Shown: {"hour": 10, "minute": 22}
